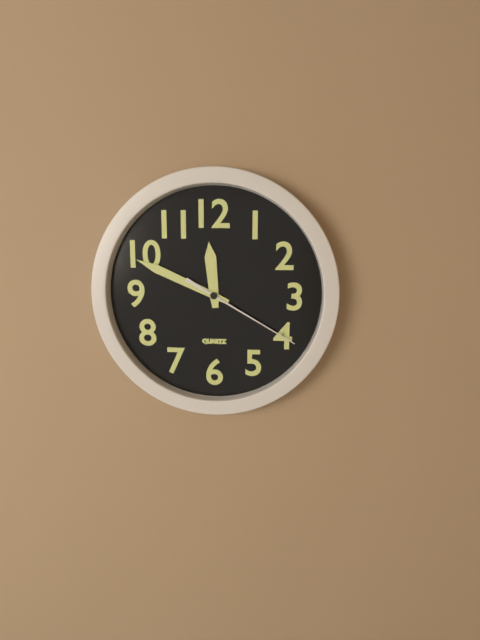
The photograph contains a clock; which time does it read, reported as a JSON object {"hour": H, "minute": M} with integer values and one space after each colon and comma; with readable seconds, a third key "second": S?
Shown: {"hour": 11, "minute": 49, "second": 20}
